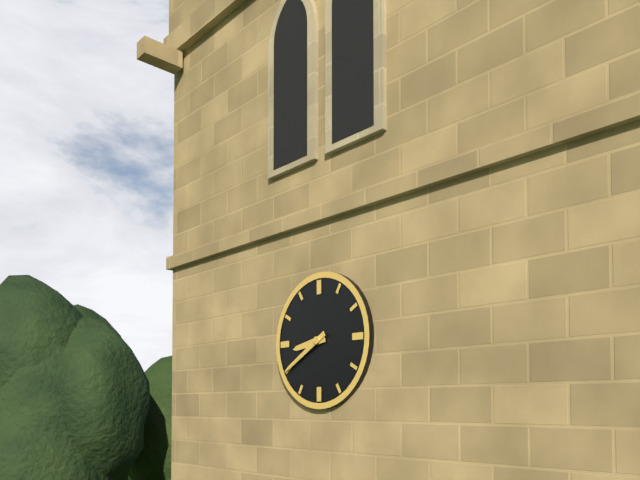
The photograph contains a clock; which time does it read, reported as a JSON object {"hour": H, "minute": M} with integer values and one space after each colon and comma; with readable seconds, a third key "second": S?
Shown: {"hour": 8, "minute": 40}
